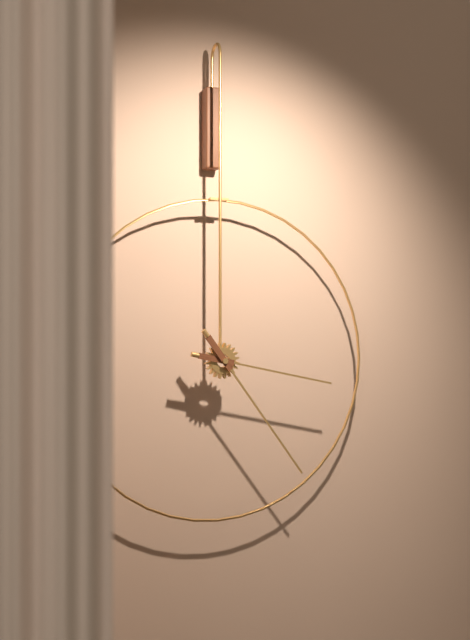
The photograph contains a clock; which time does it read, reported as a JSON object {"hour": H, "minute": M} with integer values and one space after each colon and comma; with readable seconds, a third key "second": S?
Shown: {"hour": 3, "minute": 24}
